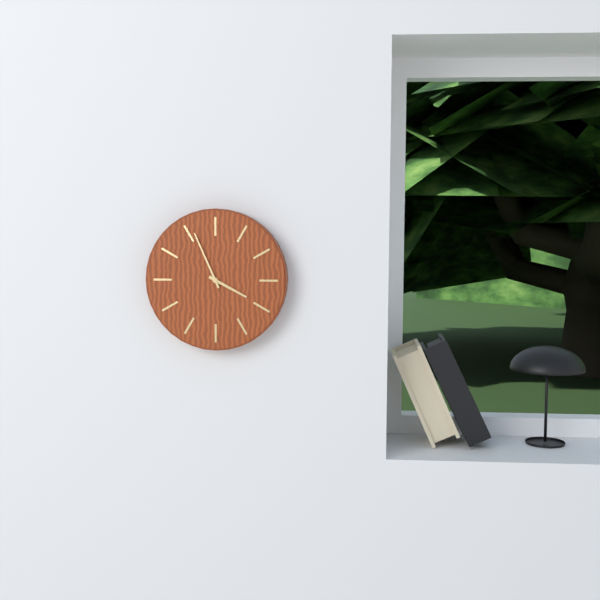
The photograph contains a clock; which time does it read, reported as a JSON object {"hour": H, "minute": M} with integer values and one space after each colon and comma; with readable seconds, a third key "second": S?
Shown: {"hour": 3, "minute": 56}
